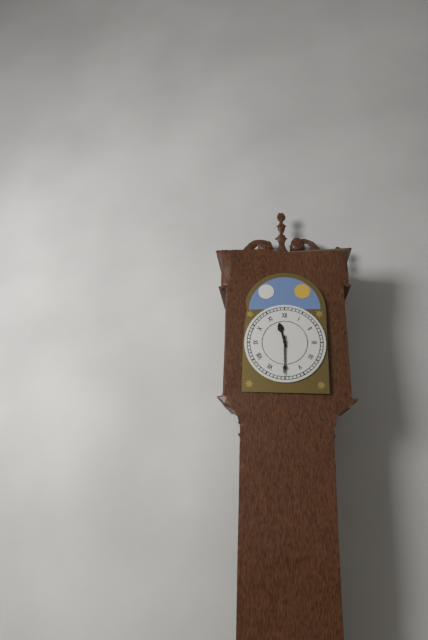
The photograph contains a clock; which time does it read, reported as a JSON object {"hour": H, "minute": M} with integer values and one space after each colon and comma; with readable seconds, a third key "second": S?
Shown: {"hour": 11, "minute": 30}
